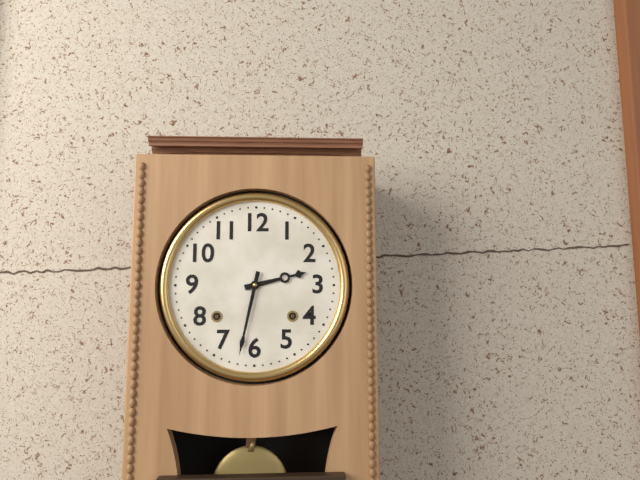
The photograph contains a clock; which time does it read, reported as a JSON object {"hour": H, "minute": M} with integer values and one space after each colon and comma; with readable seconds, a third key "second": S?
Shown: {"hour": 2, "minute": 32}
